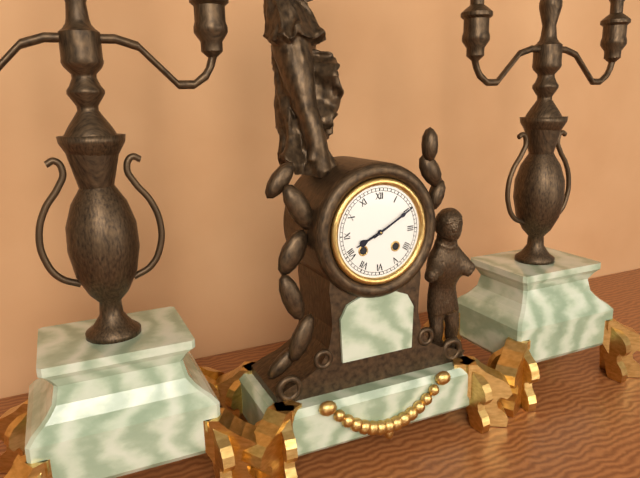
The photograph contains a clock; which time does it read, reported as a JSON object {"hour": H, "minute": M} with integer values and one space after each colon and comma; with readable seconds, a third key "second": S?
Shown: {"hour": 8, "minute": 10}
